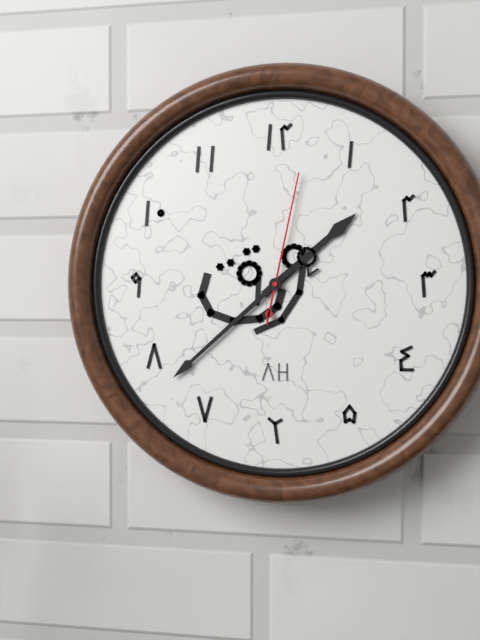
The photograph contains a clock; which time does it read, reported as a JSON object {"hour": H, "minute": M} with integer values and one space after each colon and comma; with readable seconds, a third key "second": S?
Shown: {"hour": 1, "minute": 38, "second": 2}
